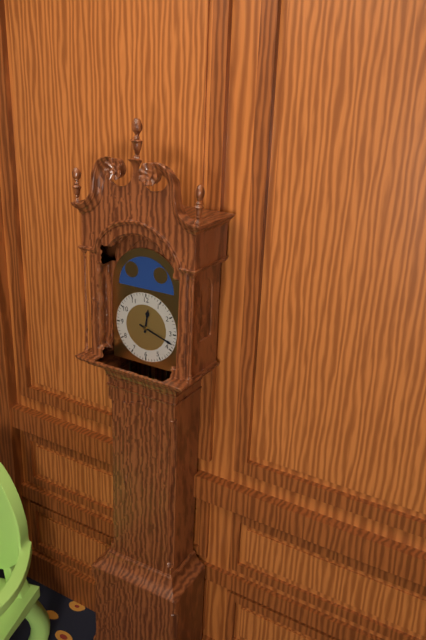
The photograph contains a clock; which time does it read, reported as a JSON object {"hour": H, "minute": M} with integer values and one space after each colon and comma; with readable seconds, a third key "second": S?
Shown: {"hour": 12, "minute": 18}
